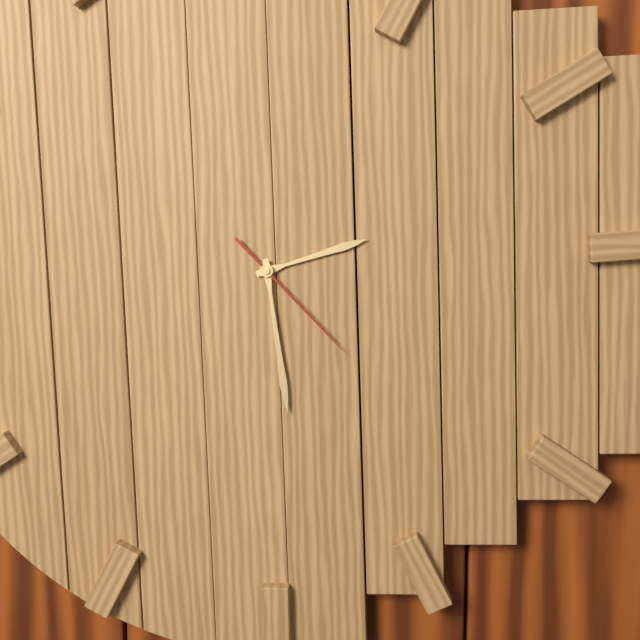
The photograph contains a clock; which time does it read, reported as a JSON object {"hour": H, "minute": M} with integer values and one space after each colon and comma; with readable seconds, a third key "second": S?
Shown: {"hour": 2, "minute": 29, "second": 23}
